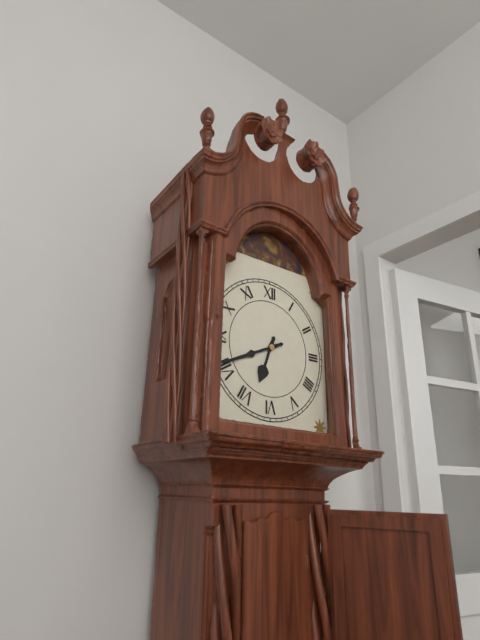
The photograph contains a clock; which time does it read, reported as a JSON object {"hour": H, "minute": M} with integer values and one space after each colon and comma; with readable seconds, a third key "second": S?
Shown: {"hour": 6, "minute": 41}
